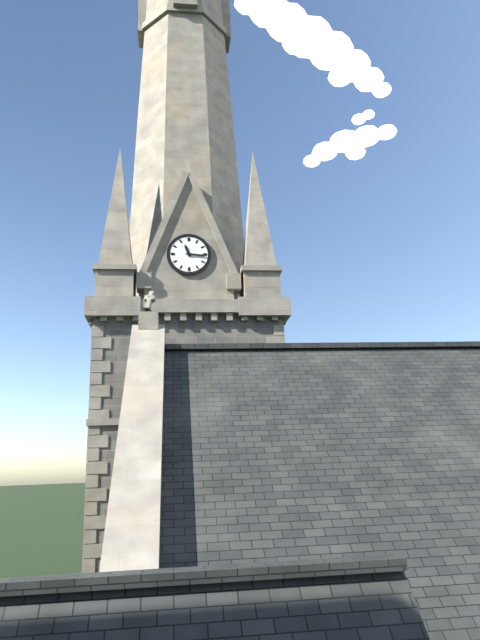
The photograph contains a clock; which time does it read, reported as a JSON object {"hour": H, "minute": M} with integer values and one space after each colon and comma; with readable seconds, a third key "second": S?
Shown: {"hour": 11, "minute": 16}
